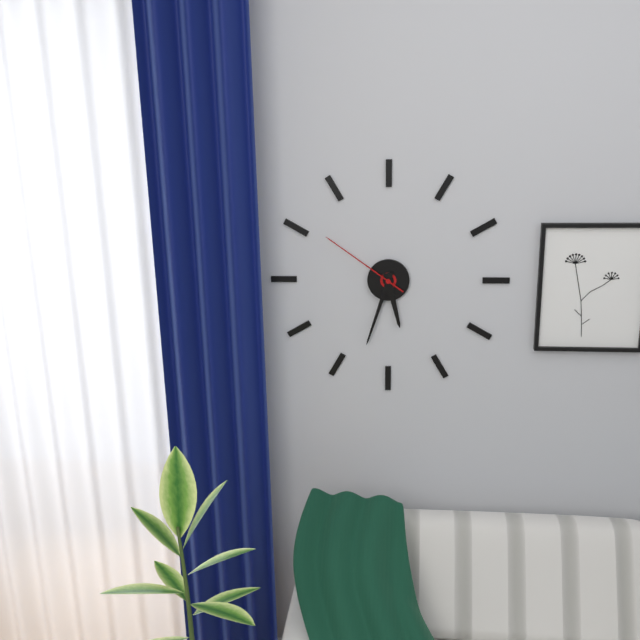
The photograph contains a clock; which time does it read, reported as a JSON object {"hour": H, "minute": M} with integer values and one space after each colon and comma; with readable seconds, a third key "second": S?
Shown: {"hour": 5, "minute": 33, "second": 51}
